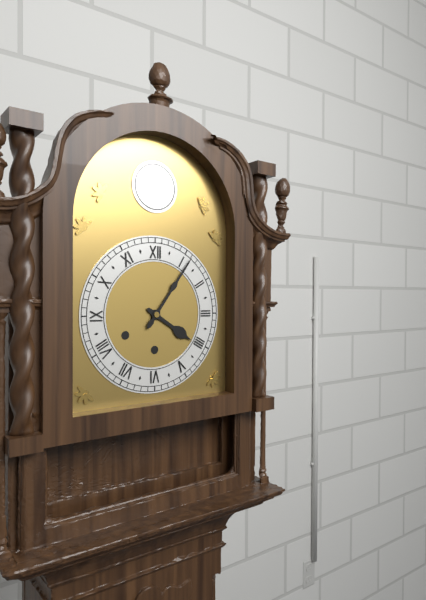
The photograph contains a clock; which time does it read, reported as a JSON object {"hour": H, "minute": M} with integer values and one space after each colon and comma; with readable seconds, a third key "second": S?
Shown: {"hour": 4, "minute": 6}
